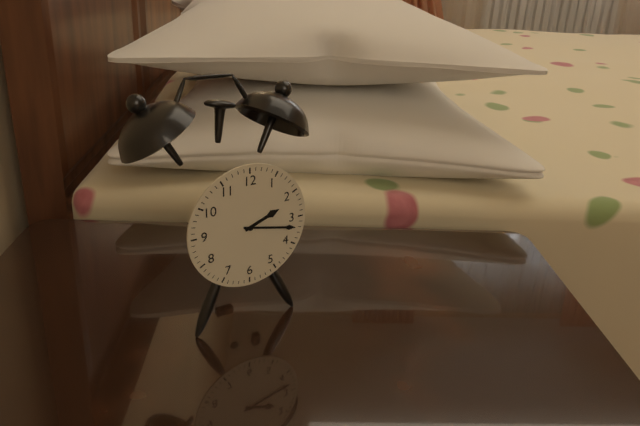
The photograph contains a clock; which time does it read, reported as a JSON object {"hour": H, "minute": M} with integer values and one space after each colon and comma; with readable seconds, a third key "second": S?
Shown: {"hour": 2, "minute": 17}
